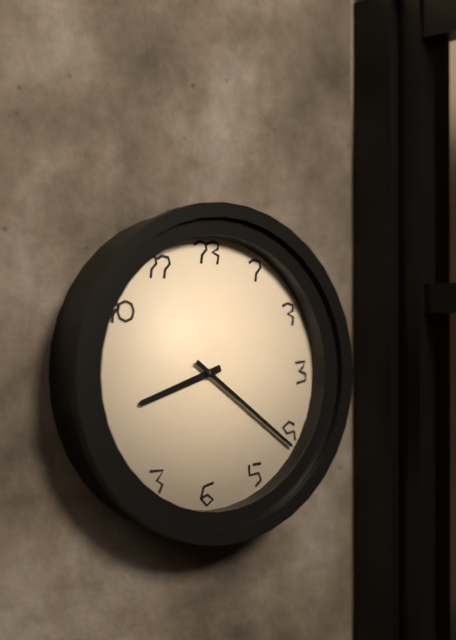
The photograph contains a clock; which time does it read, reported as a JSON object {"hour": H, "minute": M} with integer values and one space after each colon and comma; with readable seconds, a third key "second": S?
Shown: {"hour": 8, "minute": 21}
